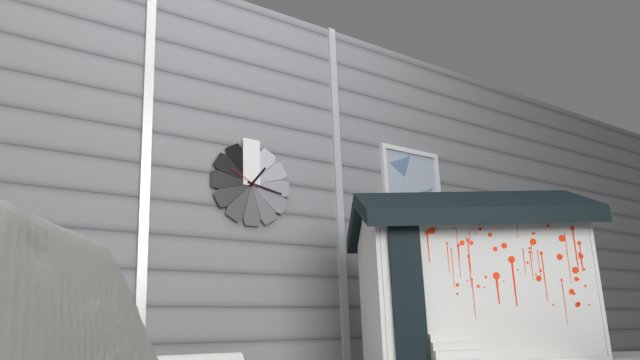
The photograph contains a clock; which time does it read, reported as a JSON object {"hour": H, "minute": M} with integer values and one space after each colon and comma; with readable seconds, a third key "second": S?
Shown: {"hour": 1, "minute": 17}
